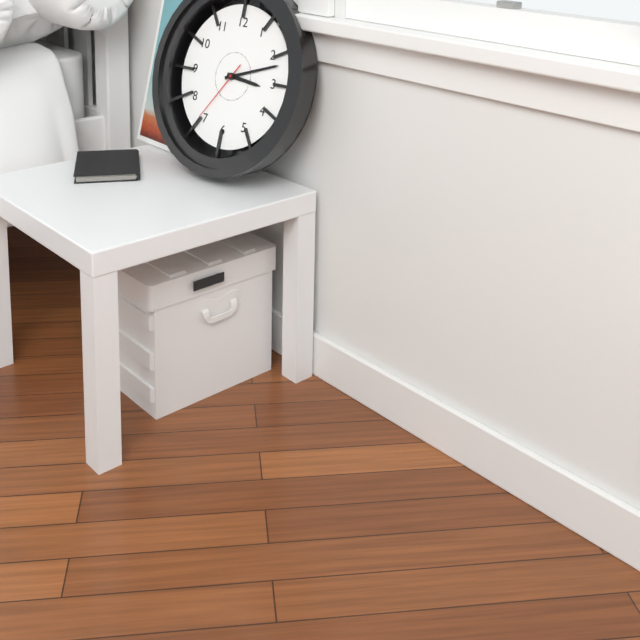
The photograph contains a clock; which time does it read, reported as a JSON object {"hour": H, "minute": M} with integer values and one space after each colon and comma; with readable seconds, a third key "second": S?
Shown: {"hour": 3, "minute": 12, "second": 36}
